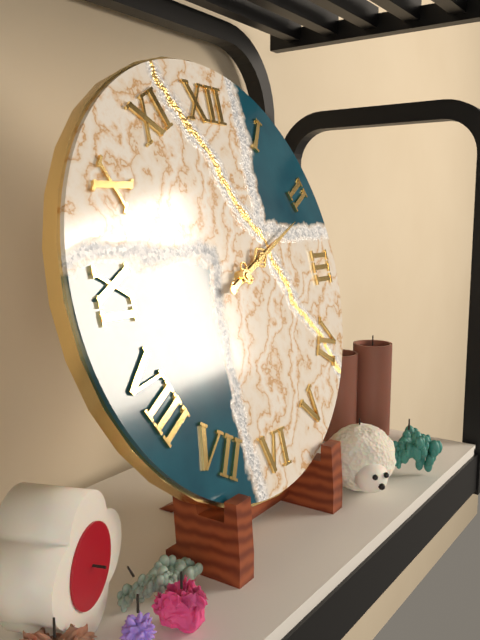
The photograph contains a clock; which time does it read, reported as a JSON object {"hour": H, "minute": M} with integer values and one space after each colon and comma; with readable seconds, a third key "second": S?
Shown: {"hour": 2, "minute": 11}
